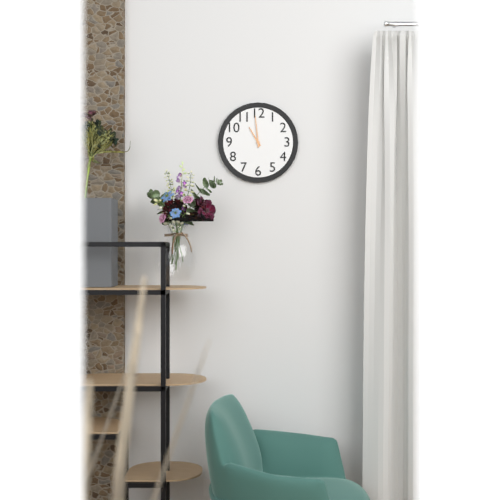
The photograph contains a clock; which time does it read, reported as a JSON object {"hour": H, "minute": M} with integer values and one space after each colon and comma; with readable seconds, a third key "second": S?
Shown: {"hour": 10, "minute": 59}
